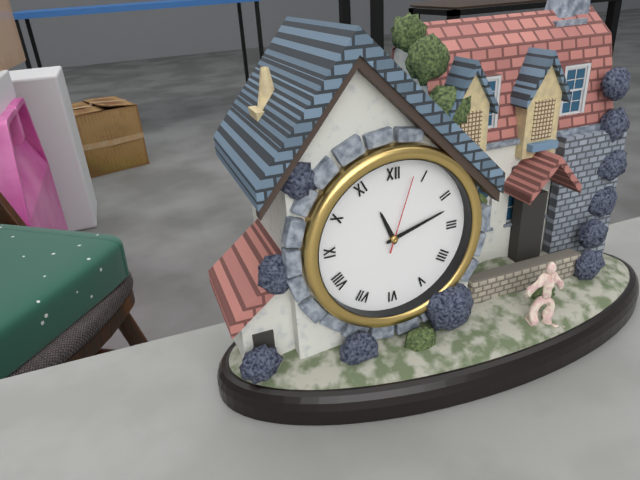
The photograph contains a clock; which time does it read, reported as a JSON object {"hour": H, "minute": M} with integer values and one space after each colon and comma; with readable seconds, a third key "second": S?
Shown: {"hour": 11, "minute": 12, "second": 3}
